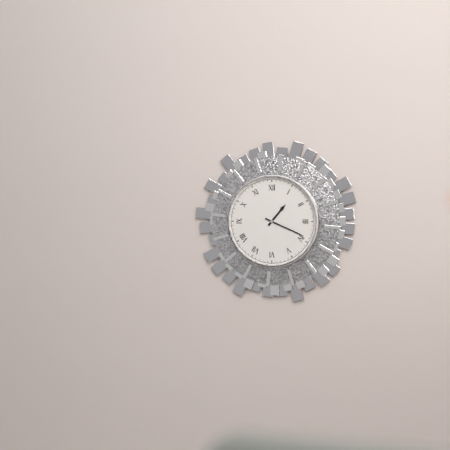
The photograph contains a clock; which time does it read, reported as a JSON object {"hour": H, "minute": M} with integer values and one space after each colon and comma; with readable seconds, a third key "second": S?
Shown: {"hour": 1, "minute": 19}
